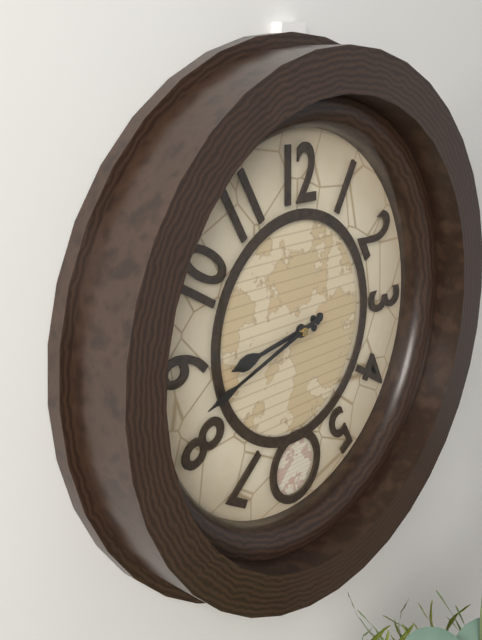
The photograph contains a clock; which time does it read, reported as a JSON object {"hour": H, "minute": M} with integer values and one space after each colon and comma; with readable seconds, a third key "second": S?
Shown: {"hour": 8, "minute": 42}
